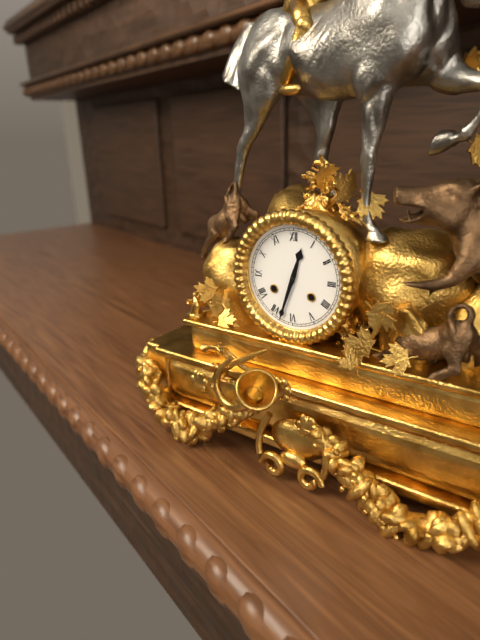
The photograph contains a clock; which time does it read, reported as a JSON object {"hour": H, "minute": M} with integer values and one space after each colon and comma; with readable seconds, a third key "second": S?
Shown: {"hour": 12, "minute": 33}
